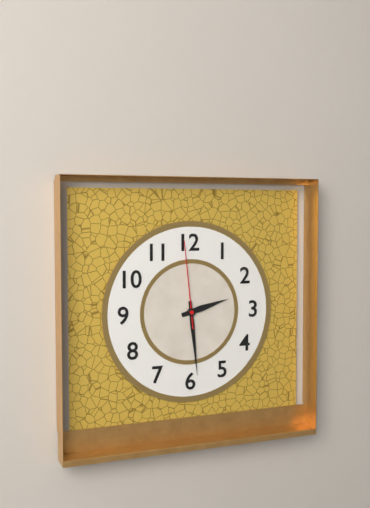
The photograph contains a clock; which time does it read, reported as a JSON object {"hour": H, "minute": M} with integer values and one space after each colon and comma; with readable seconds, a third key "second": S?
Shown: {"hour": 2, "minute": 29, "second": 59}
